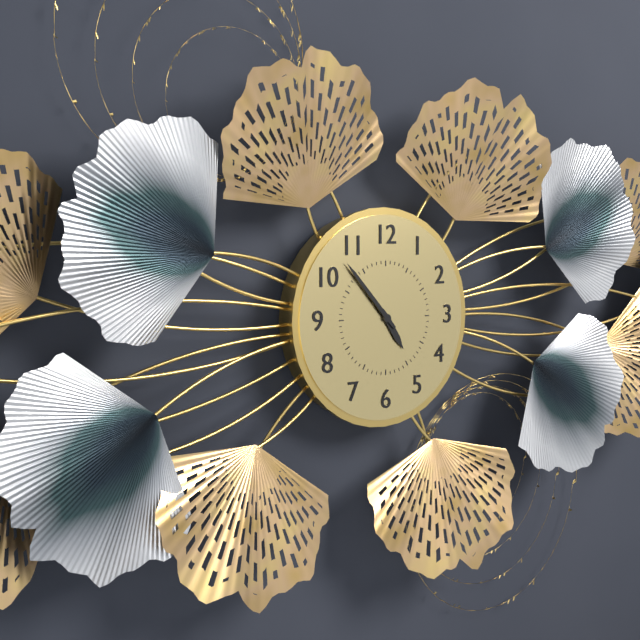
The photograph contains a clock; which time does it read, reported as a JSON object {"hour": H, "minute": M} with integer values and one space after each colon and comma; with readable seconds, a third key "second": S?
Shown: {"hour": 4, "minute": 53}
